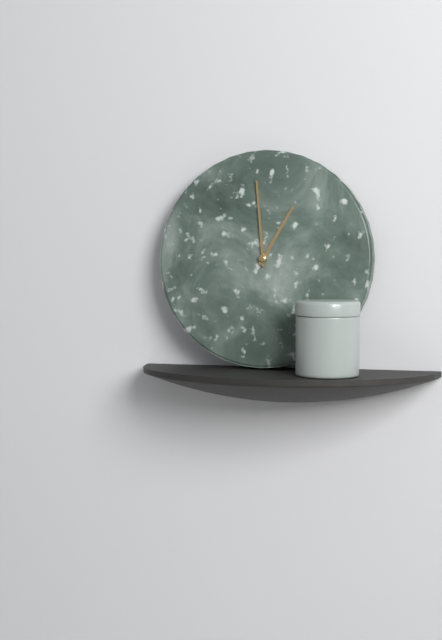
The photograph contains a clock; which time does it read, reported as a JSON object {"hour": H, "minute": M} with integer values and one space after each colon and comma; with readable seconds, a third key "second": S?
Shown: {"hour": 12, "minute": 59}
